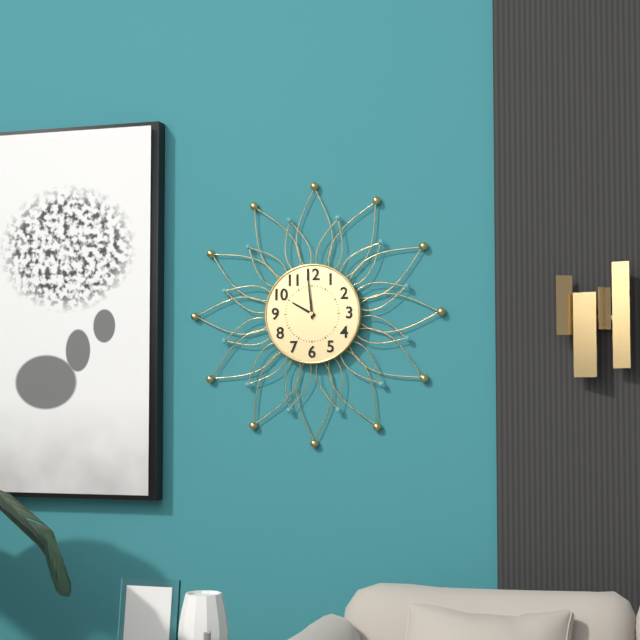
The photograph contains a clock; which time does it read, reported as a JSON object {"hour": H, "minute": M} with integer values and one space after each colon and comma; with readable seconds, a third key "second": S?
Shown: {"hour": 9, "minute": 59}
